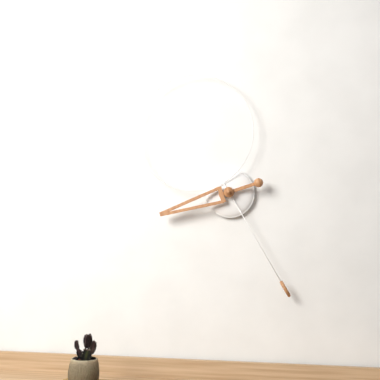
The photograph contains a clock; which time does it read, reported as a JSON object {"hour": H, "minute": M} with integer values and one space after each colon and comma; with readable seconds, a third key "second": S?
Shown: {"hour": 8, "minute": 25}
